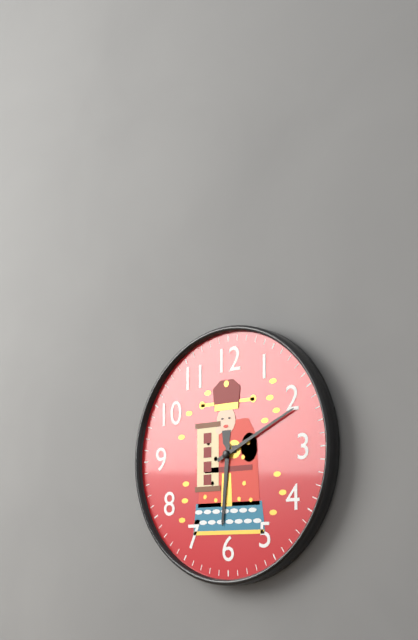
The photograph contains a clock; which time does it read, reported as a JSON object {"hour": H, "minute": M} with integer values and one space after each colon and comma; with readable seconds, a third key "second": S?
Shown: {"hour": 6, "minute": 11}
